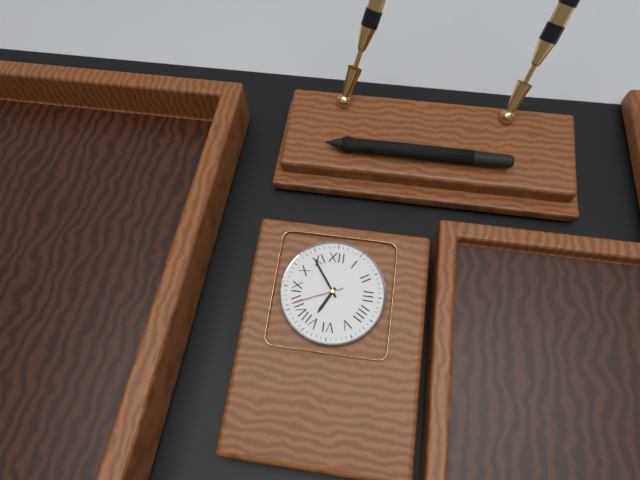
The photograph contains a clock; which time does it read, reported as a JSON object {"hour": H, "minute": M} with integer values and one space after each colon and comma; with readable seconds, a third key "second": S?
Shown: {"hour": 6, "minute": 54, "second": 41}
